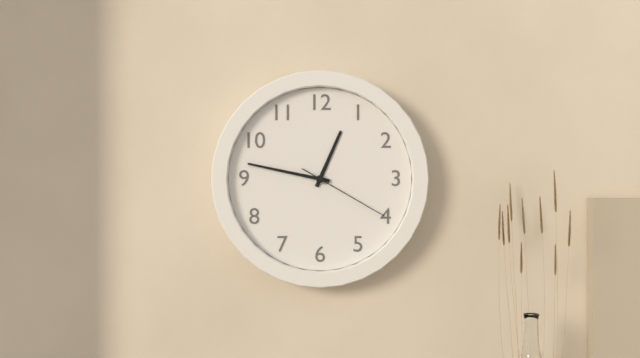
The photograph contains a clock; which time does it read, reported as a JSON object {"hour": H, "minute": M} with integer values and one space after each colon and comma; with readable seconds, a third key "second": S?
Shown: {"hour": 12, "minute": 47, "second": 20}
